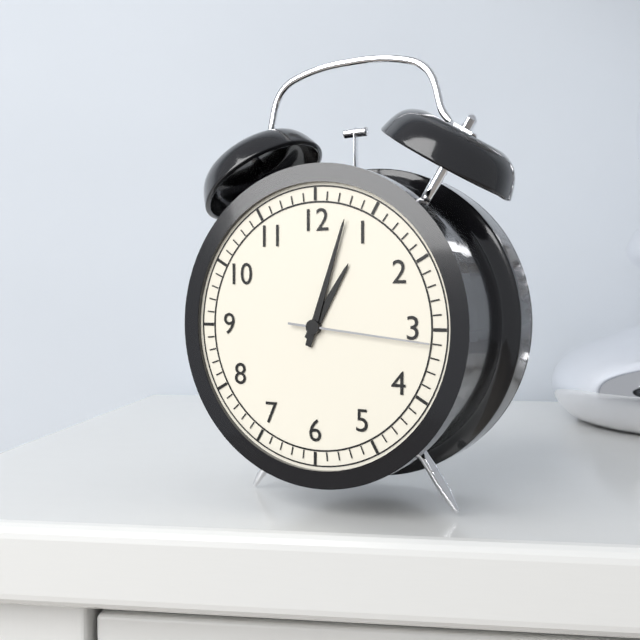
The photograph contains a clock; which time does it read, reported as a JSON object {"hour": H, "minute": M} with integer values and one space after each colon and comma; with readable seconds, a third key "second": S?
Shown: {"hour": 1, "minute": 3, "second": 16}
